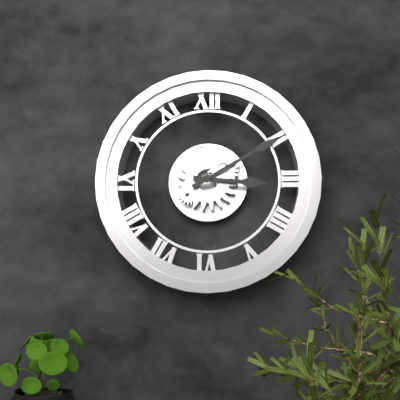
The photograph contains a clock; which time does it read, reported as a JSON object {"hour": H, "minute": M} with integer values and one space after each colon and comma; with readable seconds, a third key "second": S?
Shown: {"hour": 3, "minute": 10}
